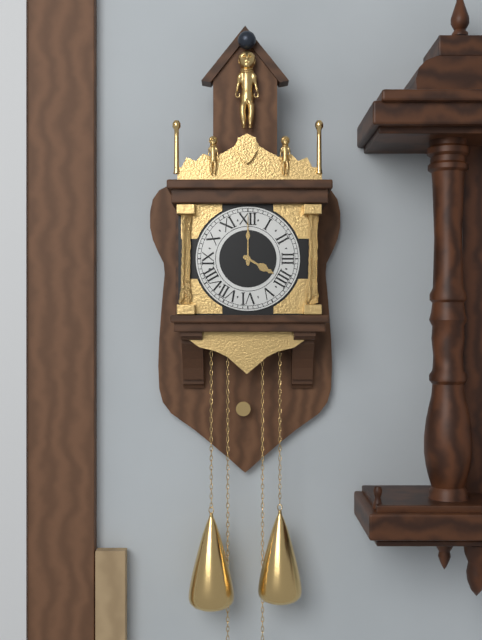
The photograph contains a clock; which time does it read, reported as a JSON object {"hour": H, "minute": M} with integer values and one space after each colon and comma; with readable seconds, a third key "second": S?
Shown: {"hour": 4, "minute": 0}
